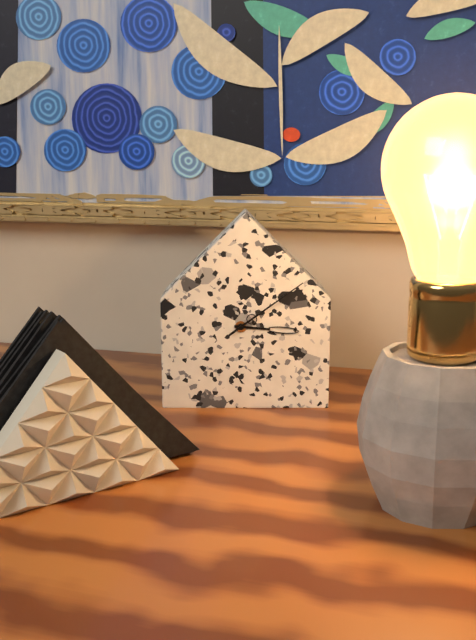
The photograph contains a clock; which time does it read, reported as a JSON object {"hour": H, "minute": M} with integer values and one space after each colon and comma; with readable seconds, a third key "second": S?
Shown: {"hour": 3, "minute": 9}
